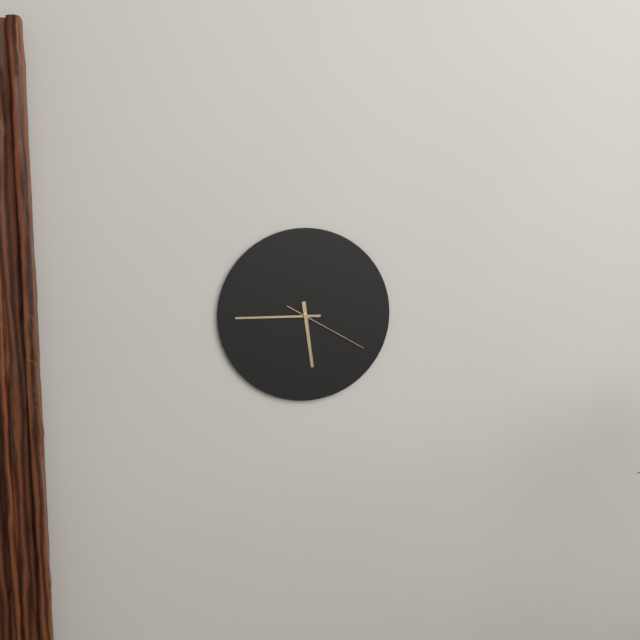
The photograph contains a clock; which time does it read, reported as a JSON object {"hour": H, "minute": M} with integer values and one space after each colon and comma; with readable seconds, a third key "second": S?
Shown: {"hour": 5, "minute": 45, "second": 20}
